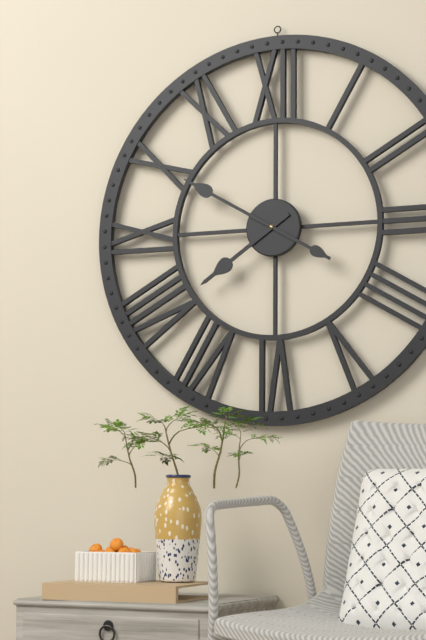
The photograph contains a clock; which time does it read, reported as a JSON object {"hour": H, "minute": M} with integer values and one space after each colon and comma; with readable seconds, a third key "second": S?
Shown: {"hour": 7, "minute": 50}
